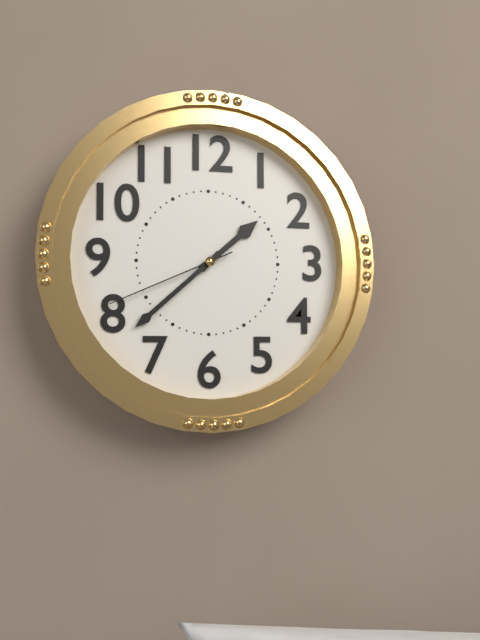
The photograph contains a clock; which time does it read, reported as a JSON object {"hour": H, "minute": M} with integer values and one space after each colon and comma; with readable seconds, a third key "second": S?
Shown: {"hour": 1, "minute": 38, "second": 41}
